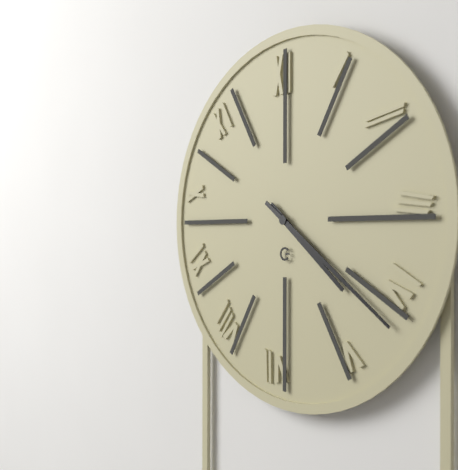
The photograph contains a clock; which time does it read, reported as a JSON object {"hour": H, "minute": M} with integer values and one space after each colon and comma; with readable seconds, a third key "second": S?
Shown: {"hour": 4, "minute": 21}
